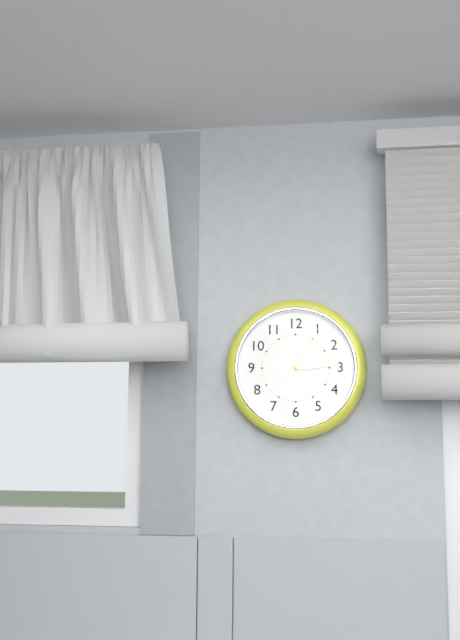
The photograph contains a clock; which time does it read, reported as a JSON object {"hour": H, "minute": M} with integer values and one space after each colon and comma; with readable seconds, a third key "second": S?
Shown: {"hour": 2, "minute": 14, "second": 5}
